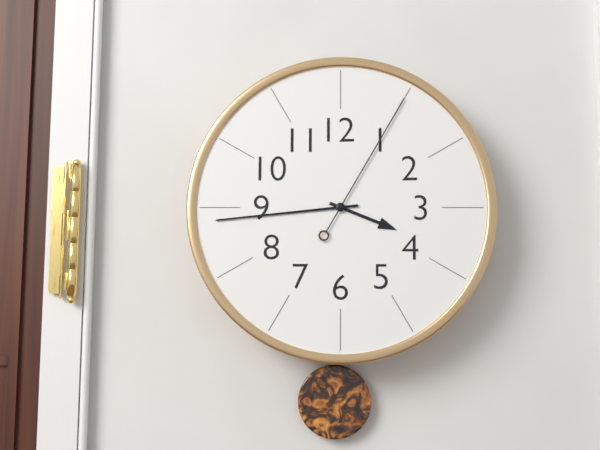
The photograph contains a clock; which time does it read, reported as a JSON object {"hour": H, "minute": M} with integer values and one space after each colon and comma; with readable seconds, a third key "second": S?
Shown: {"hour": 3, "minute": 44, "second": 5}
